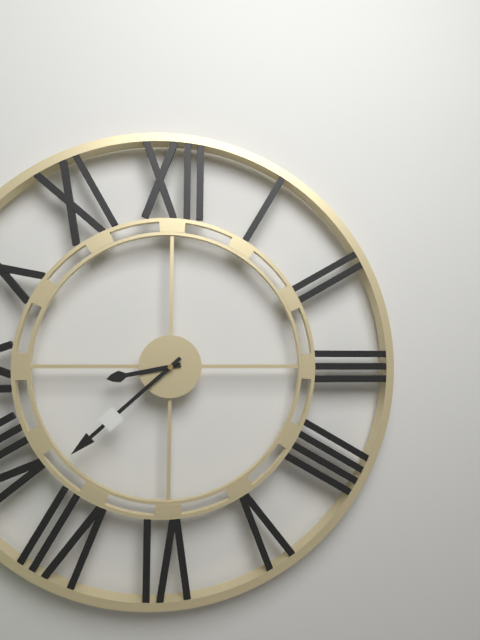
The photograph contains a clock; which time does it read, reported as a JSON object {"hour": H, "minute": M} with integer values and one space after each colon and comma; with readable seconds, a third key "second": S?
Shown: {"hour": 8, "minute": 38}
